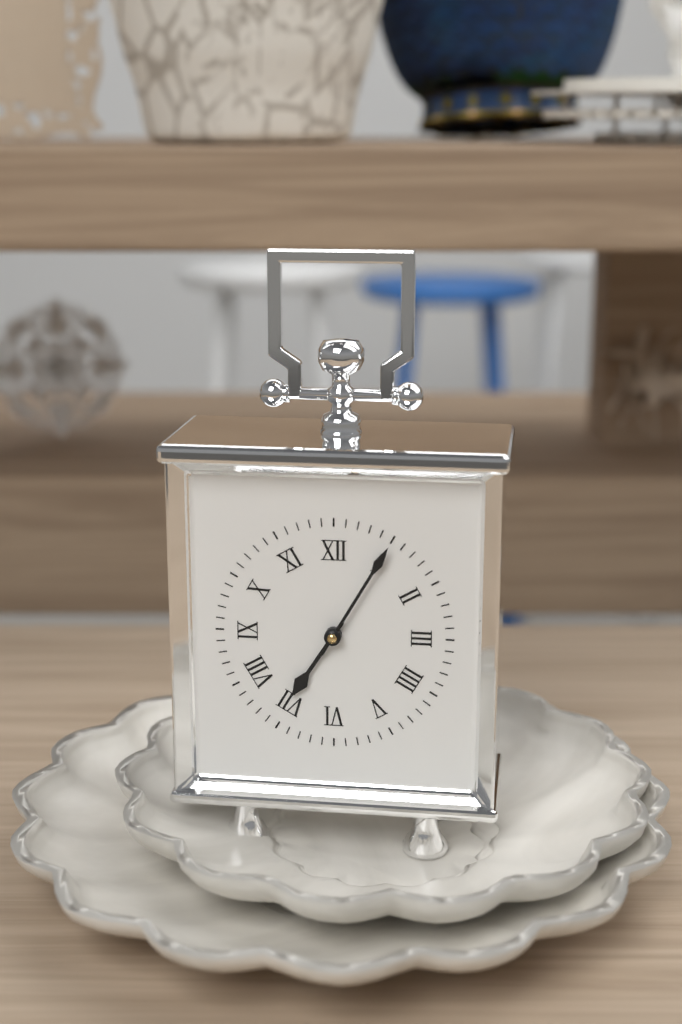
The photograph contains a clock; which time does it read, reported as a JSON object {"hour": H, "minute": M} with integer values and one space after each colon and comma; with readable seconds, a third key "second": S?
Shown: {"hour": 7, "minute": 5}
